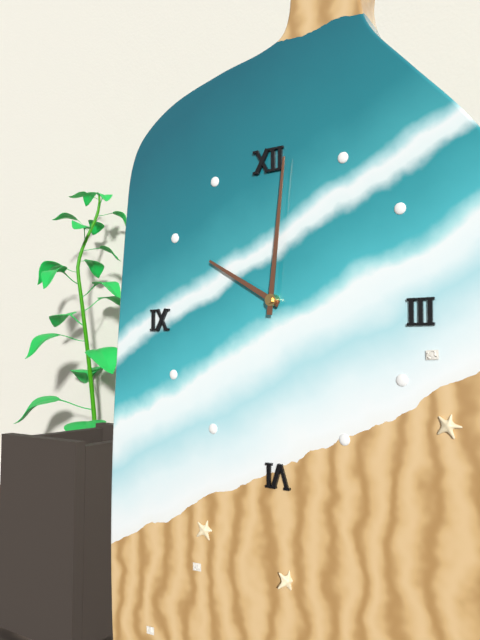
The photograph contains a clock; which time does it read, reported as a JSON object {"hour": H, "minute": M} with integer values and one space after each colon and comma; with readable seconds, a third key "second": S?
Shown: {"hour": 10, "minute": 1}
